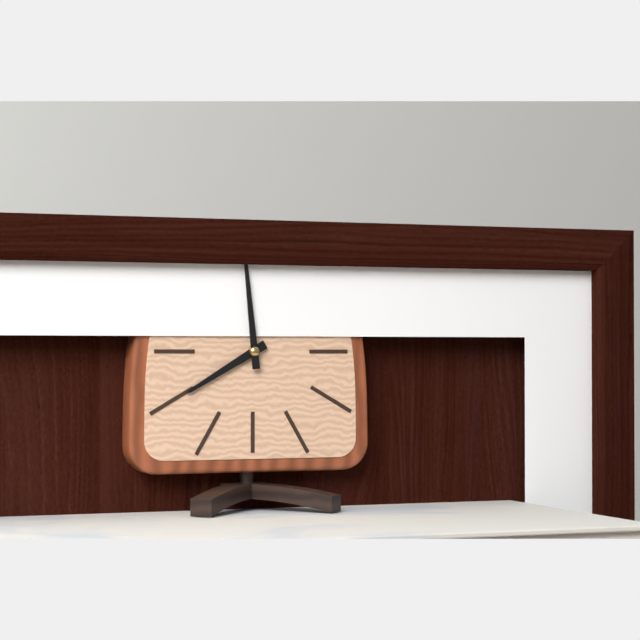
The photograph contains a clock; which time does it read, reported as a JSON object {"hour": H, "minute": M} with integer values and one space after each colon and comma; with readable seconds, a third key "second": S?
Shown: {"hour": 7, "minute": 59}
